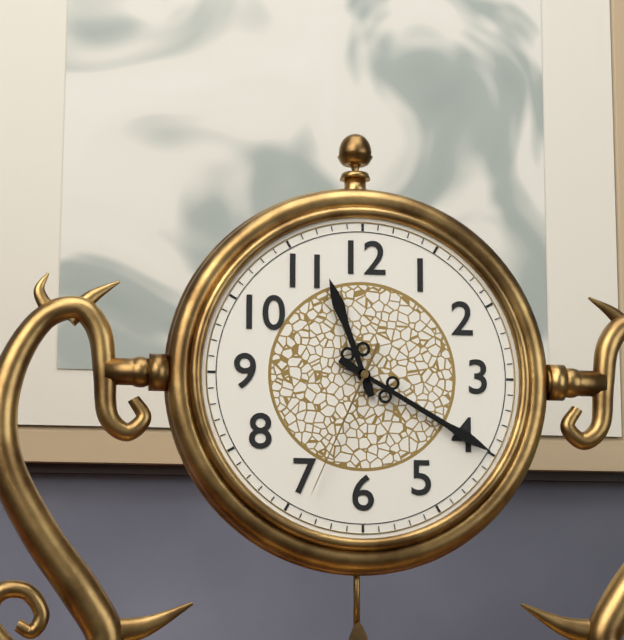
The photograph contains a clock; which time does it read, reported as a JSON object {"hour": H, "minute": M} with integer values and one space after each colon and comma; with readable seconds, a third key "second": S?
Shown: {"hour": 11, "minute": 20, "second": 34}
